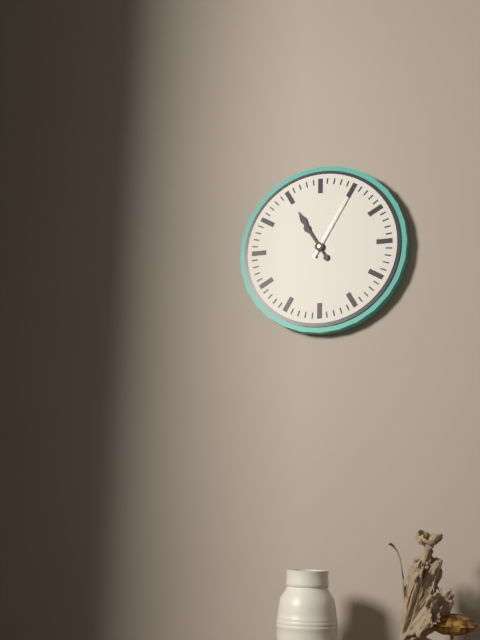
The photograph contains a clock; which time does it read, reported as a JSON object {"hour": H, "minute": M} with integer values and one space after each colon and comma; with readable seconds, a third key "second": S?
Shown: {"hour": 10, "minute": 55, "second": 5}
